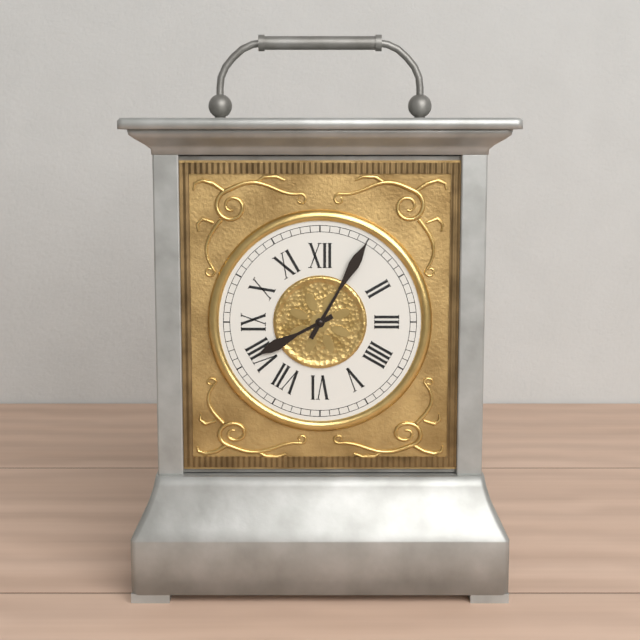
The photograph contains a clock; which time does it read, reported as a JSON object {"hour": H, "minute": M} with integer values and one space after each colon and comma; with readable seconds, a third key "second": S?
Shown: {"hour": 8, "minute": 5}
